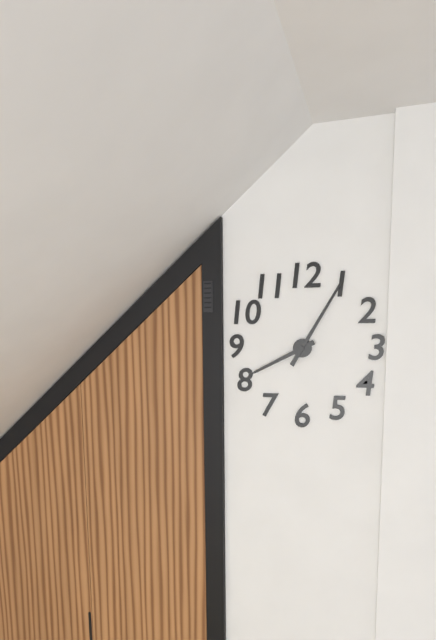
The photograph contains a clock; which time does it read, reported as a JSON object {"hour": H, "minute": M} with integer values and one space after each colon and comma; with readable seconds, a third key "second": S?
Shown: {"hour": 8, "minute": 5}
